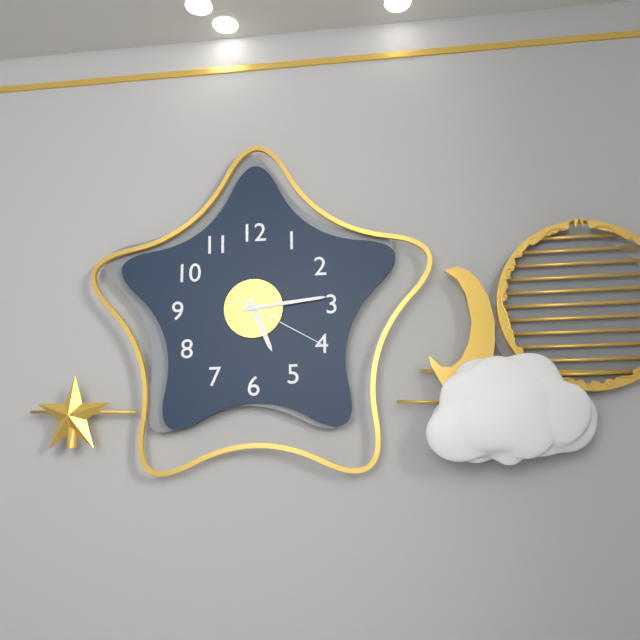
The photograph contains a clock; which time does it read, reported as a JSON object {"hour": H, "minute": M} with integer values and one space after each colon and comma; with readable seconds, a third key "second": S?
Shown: {"hour": 5, "minute": 14, "second": 20}
